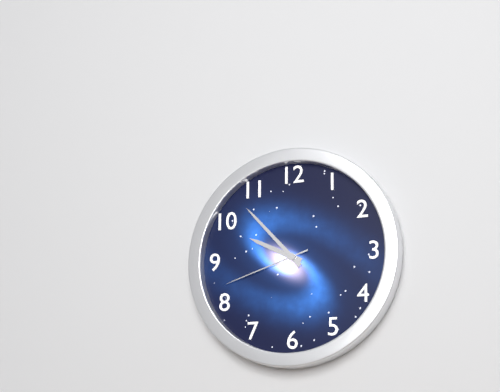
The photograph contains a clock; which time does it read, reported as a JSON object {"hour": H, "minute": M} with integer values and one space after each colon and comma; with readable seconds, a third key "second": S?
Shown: {"hour": 9, "minute": 53, "second": 42}
